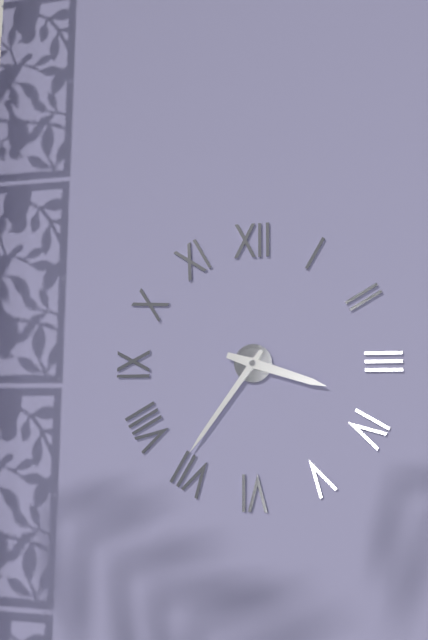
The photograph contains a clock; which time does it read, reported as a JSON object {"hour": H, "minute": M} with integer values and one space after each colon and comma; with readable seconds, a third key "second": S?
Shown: {"hour": 3, "minute": 36}
